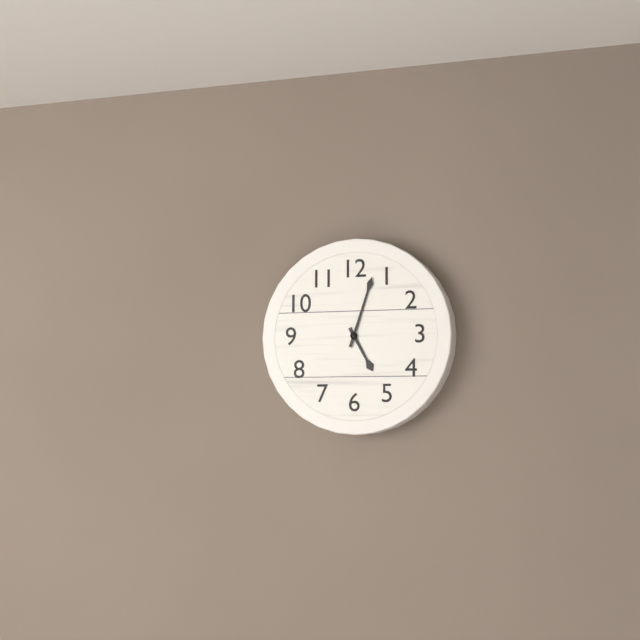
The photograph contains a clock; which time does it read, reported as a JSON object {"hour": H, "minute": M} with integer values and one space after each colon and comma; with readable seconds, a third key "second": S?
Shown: {"hour": 5, "minute": 3}
